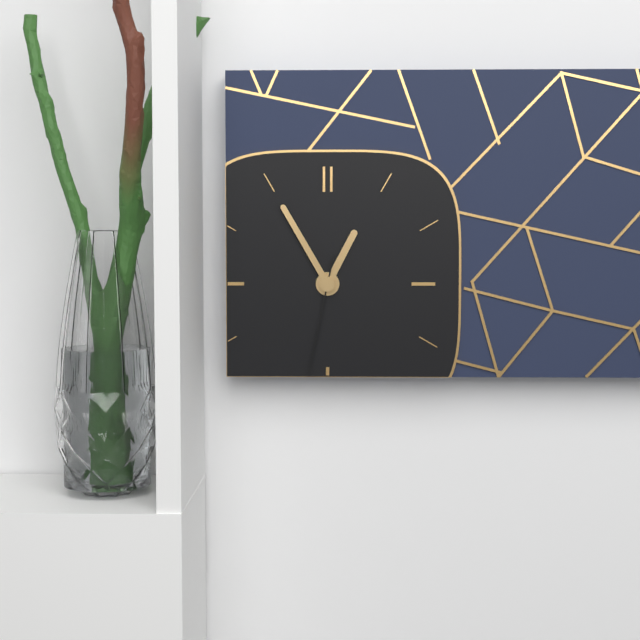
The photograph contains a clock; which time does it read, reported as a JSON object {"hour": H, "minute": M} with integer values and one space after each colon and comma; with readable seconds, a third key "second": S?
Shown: {"hour": 12, "minute": 55, "second": 32}
